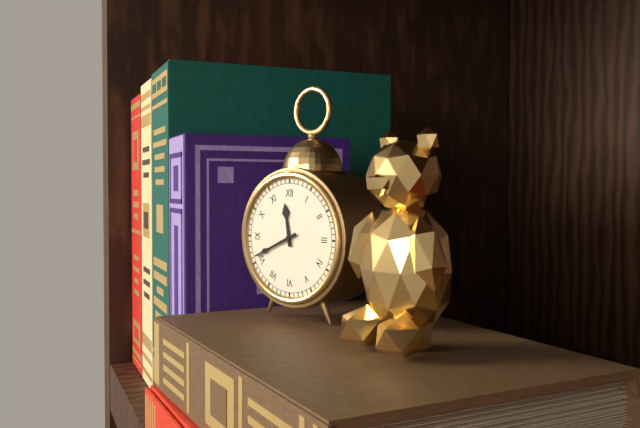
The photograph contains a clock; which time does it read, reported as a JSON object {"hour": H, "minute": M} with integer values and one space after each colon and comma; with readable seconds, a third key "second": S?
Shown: {"hour": 11, "minute": 41}
